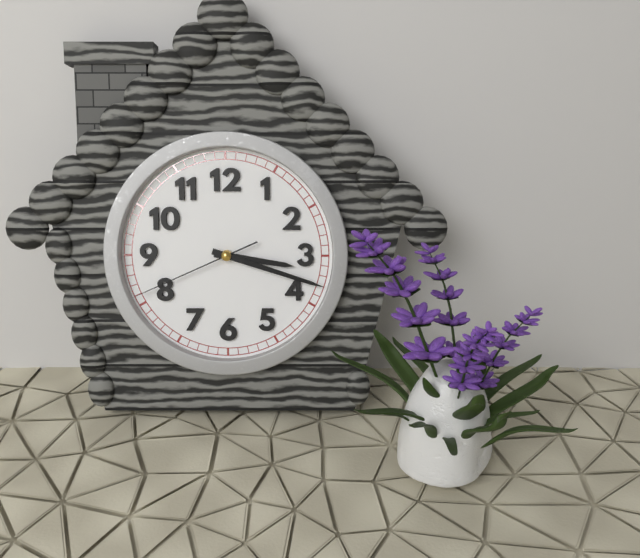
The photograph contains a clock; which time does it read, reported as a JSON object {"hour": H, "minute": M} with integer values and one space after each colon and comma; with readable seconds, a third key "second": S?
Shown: {"hour": 3, "minute": 18, "second": 41}
